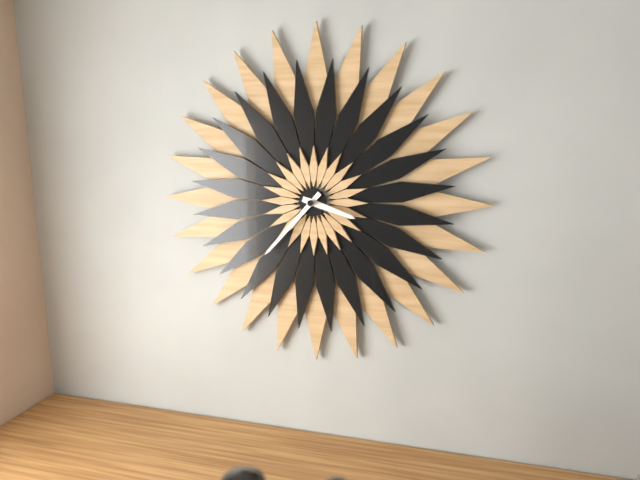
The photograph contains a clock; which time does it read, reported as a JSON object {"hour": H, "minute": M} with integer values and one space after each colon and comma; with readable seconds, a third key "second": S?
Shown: {"hour": 3, "minute": 37}
